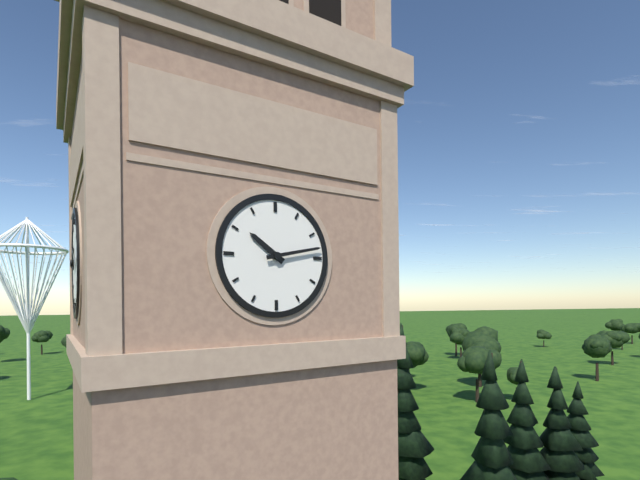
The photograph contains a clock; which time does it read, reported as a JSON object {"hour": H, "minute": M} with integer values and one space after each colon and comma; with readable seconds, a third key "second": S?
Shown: {"hour": 10, "minute": 13}
